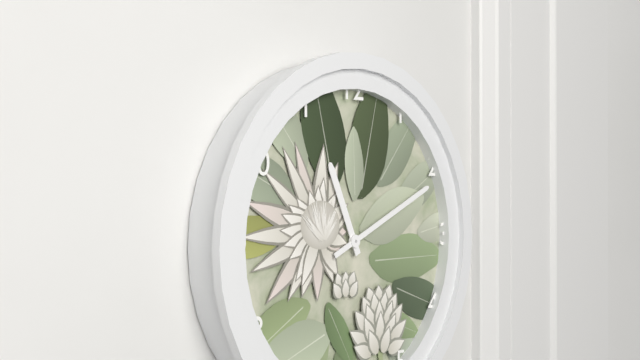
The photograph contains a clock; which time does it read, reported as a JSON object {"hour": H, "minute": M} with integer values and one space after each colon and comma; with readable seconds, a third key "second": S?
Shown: {"hour": 11, "minute": 11}
